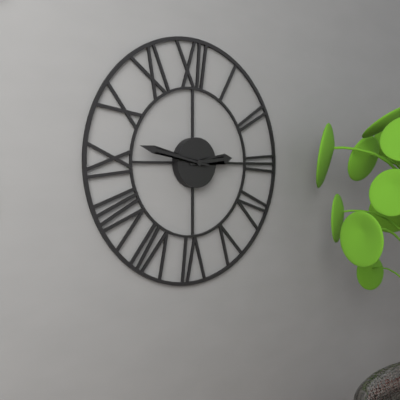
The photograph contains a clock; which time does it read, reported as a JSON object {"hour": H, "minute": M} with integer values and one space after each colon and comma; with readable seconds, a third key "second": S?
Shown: {"hour": 2, "minute": 47}
